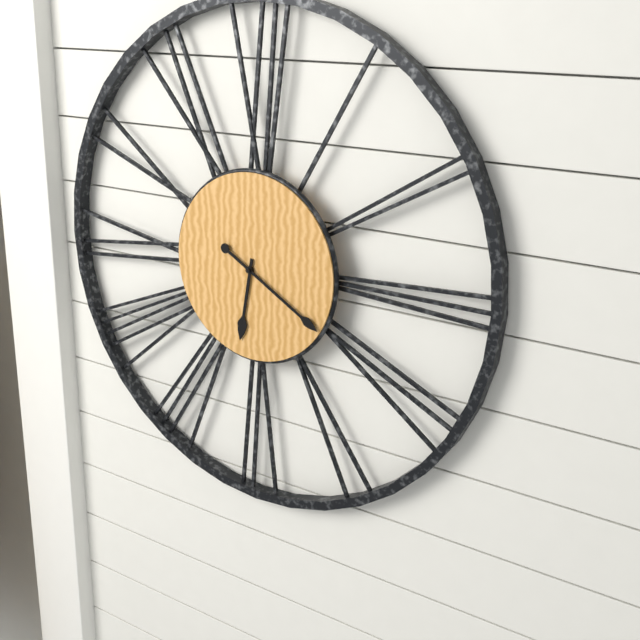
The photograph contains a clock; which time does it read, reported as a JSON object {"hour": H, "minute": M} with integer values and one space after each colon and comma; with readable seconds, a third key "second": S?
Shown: {"hour": 6, "minute": 20}
